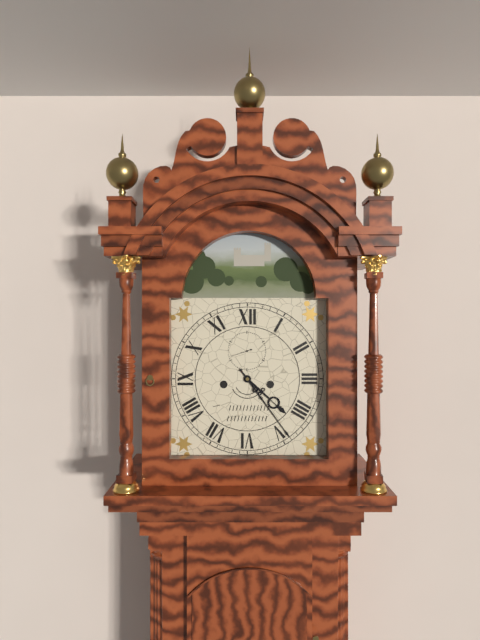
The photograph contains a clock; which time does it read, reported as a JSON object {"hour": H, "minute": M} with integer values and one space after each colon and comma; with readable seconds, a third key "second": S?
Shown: {"hour": 4, "minute": 24}
